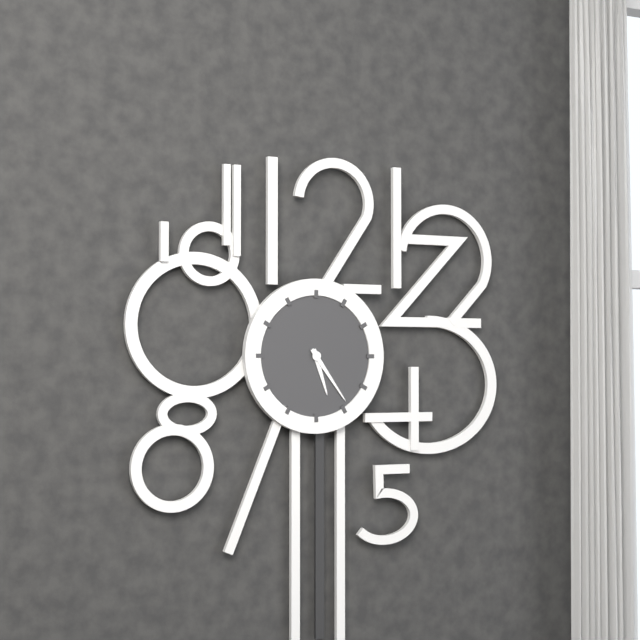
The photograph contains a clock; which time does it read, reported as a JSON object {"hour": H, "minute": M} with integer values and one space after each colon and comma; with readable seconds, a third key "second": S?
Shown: {"hour": 5, "minute": 24}
